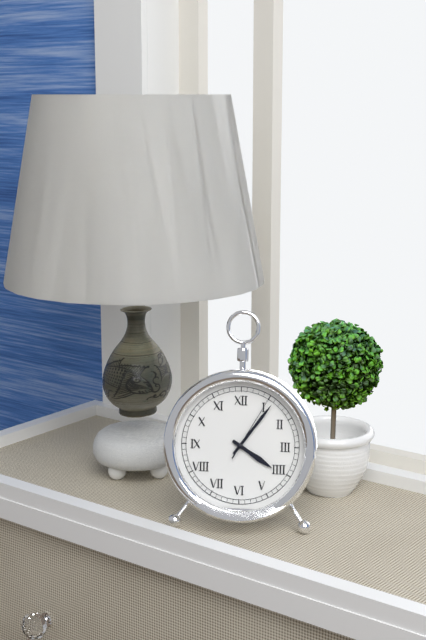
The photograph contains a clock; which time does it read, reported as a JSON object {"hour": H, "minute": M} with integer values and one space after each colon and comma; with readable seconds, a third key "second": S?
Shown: {"hour": 4, "minute": 6, "second": 5}
